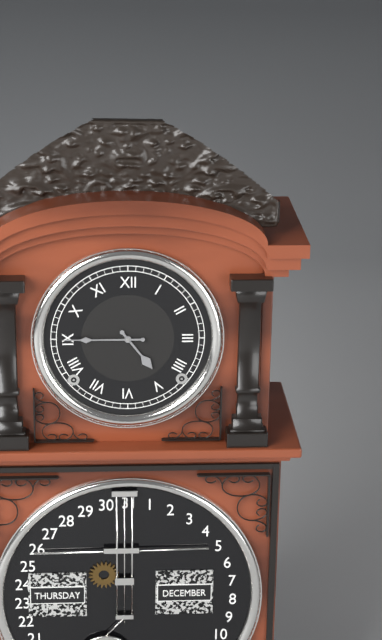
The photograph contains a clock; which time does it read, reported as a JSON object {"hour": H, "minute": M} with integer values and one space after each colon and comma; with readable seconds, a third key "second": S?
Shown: {"hour": 4, "minute": 45}
